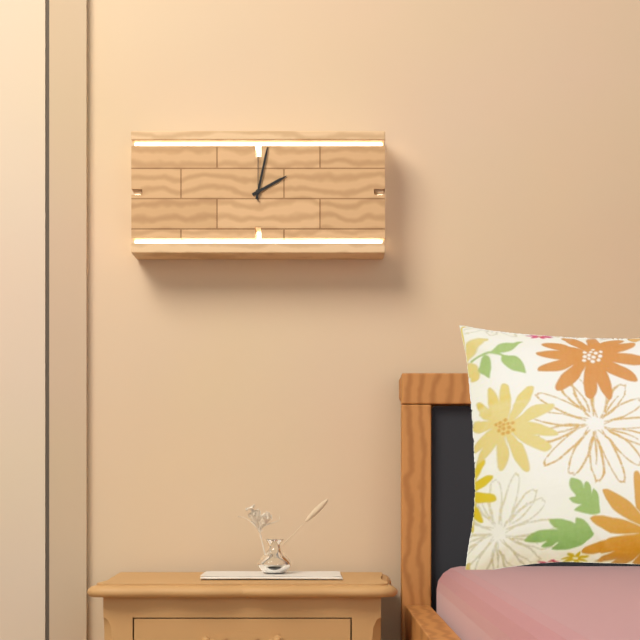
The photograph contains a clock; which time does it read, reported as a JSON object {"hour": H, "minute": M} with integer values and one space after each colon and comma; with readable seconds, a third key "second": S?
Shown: {"hour": 2, "minute": 2, "second": 0}
